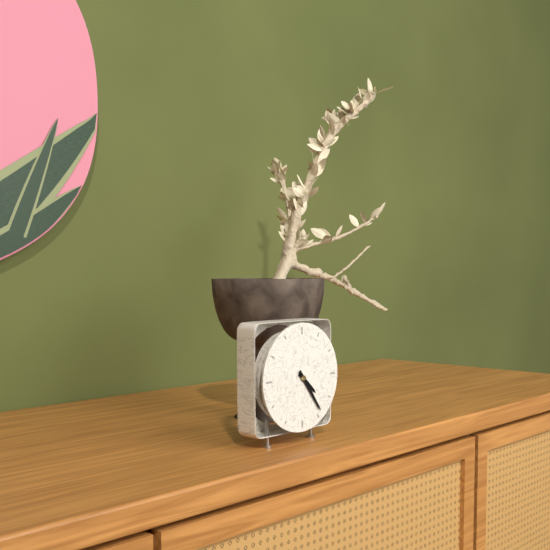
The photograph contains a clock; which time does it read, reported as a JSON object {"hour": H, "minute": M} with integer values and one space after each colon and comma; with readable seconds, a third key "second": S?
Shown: {"hour": 4, "minute": 24}
